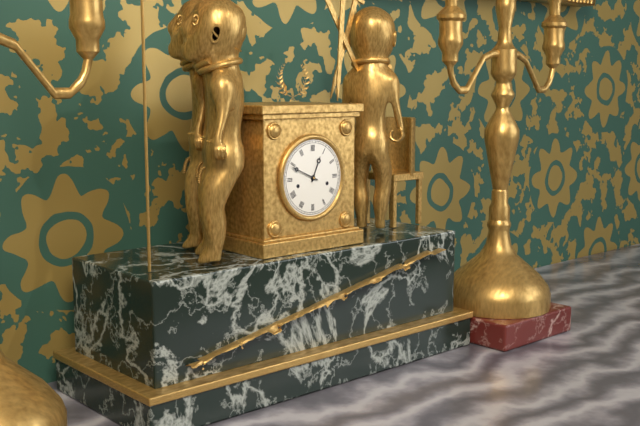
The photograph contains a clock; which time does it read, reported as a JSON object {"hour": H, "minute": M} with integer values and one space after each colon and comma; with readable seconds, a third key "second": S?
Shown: {"hour": 12, "minute": 49}
